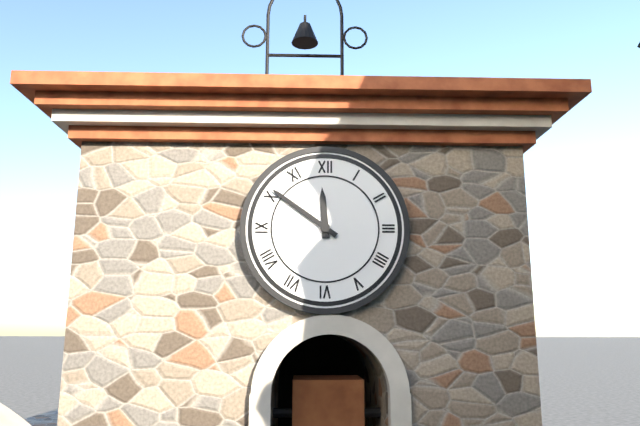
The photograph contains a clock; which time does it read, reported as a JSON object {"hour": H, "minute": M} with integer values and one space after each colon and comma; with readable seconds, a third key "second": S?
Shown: {"hour": 11, "minute": 51}
